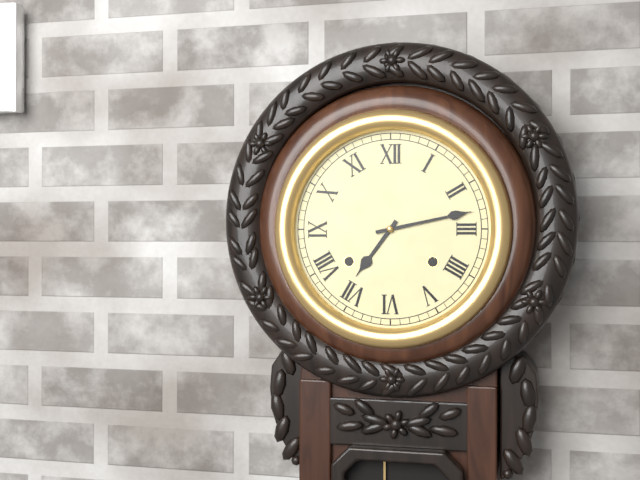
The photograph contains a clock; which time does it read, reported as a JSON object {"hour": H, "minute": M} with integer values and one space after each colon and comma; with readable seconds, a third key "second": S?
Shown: {"hour": 7, "minute": 13}
